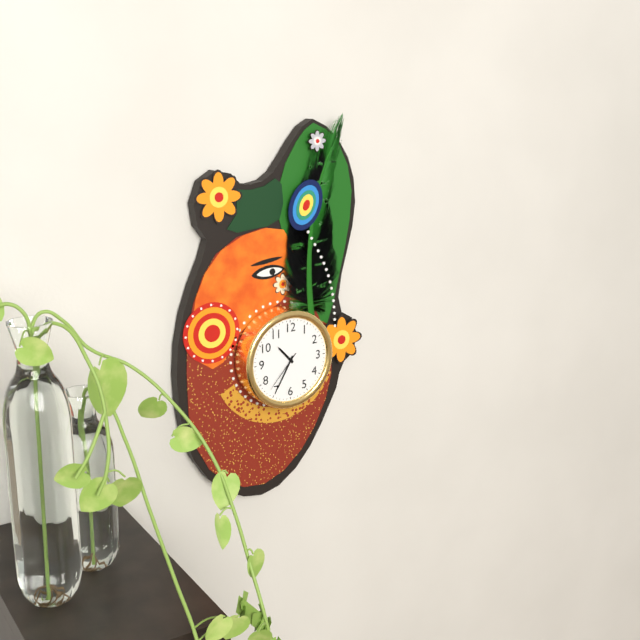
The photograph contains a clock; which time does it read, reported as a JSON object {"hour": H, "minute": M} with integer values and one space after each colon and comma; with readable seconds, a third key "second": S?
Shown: {"hour": 10, "minute": 35}
